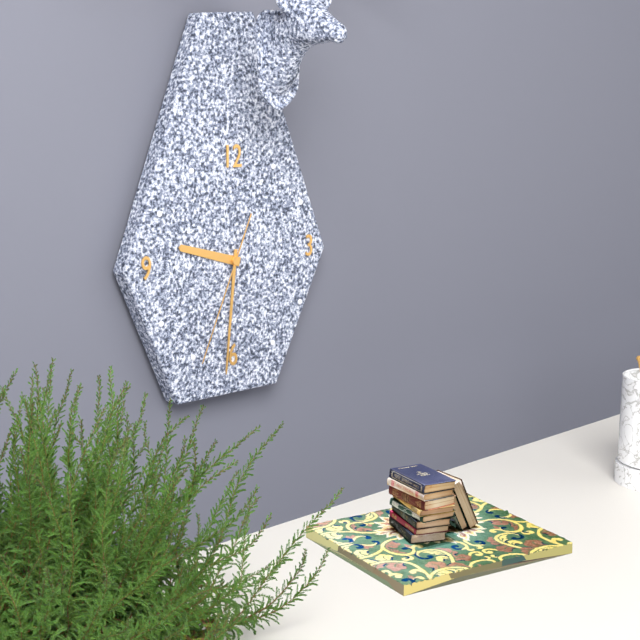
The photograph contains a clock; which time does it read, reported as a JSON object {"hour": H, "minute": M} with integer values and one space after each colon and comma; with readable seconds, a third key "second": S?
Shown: {"hour": 9, "minute": 31, "second": 34}
